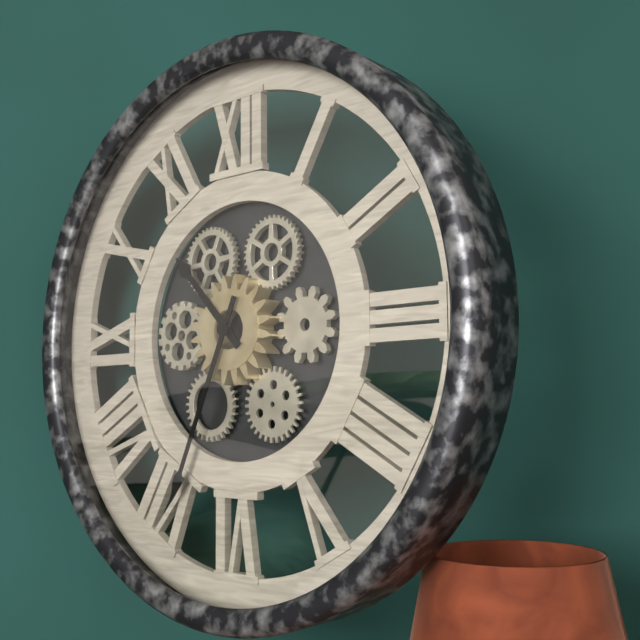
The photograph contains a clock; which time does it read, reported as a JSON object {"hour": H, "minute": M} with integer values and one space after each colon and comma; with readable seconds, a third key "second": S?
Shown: {"hour": 10, "minute": 34}
